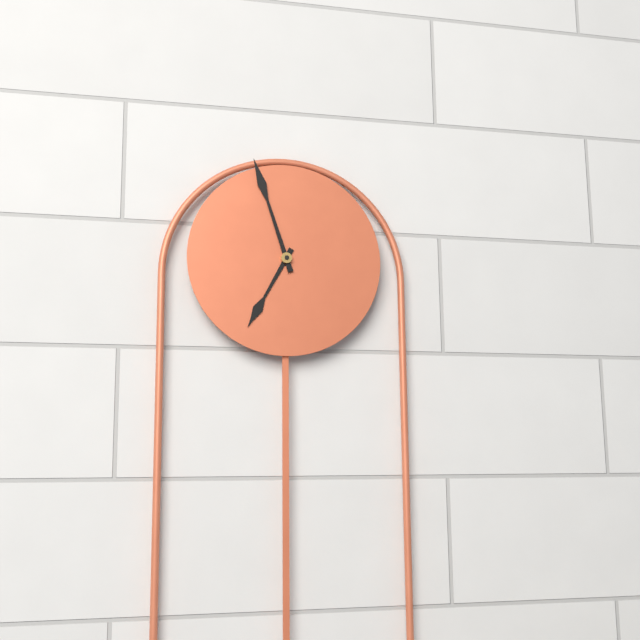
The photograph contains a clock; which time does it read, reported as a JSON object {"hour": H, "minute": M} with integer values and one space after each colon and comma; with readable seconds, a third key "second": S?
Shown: {"hour": 6, "minute": 57}
